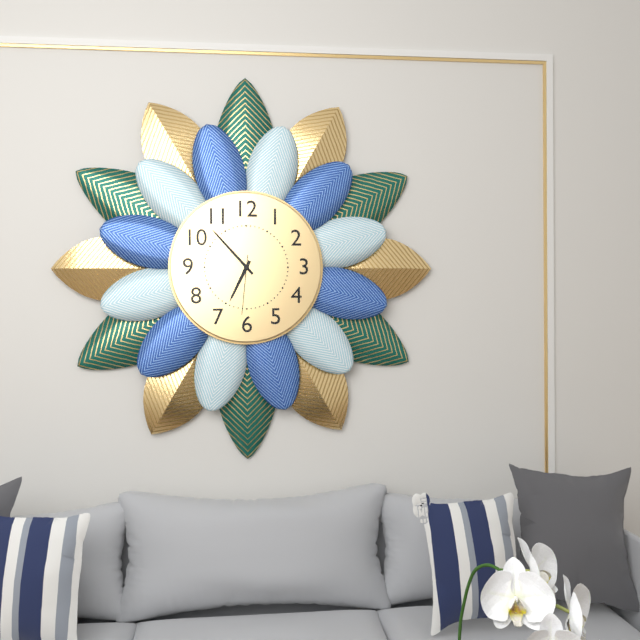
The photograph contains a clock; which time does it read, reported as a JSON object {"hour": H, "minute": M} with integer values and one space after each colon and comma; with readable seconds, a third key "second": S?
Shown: {"hour": 6, "minute": 53, "second": 31}
